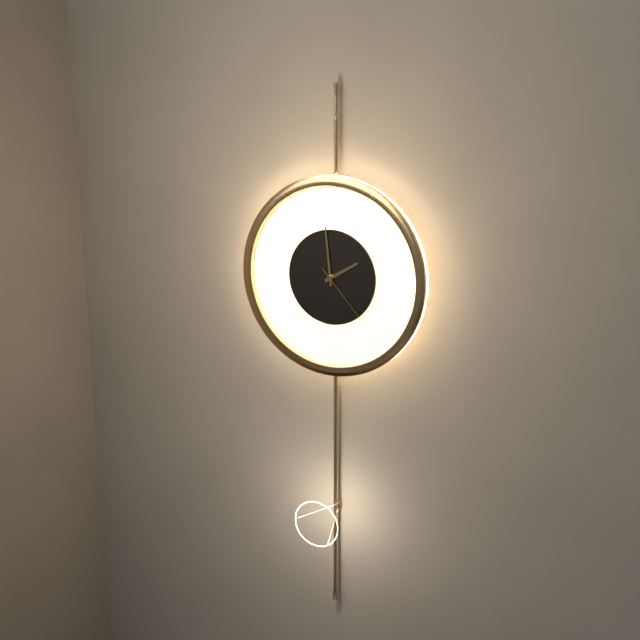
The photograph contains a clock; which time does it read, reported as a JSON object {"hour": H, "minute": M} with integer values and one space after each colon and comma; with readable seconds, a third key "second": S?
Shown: {"hour": 1, "minute": 59, "second": 23}
